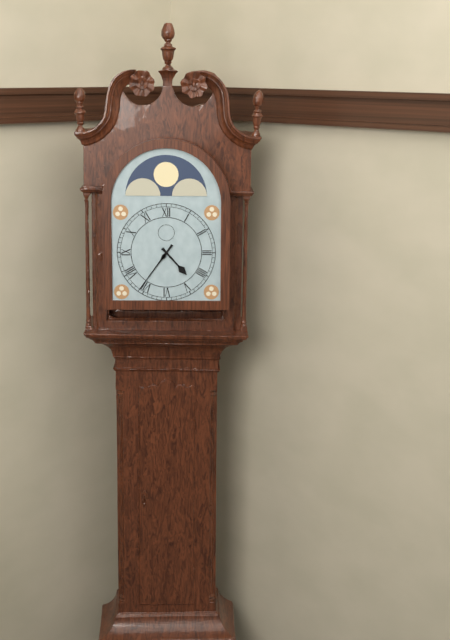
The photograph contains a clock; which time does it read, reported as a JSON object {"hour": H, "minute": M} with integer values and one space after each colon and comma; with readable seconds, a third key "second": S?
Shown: {"hour": 4, "minute": 36}
